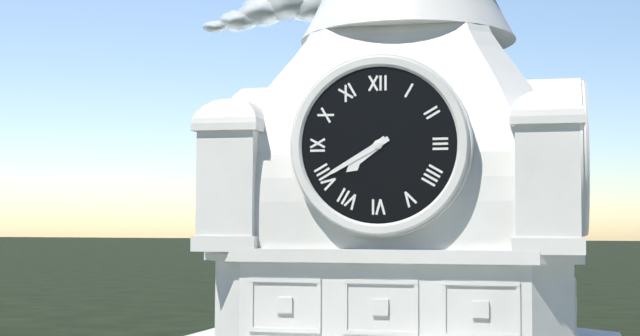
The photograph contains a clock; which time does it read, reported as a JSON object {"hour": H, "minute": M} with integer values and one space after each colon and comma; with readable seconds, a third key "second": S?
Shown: {"hour": 7, "minute": 40}
